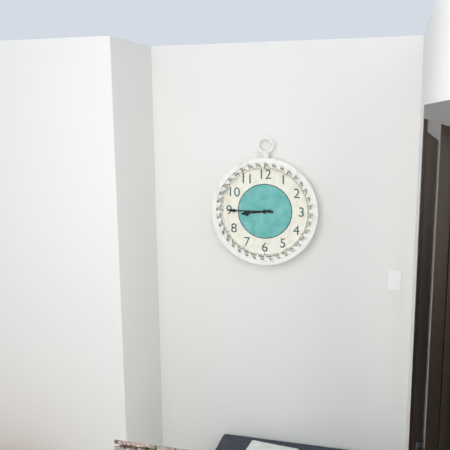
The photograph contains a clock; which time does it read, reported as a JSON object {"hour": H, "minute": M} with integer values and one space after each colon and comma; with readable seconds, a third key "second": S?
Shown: {"hour": 8, "minute": 45}
